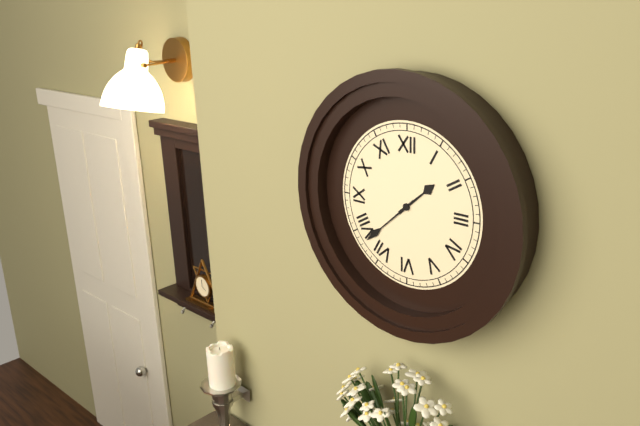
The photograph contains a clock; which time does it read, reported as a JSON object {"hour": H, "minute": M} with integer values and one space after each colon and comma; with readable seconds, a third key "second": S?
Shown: {"hour": 1, "minute": 38}
